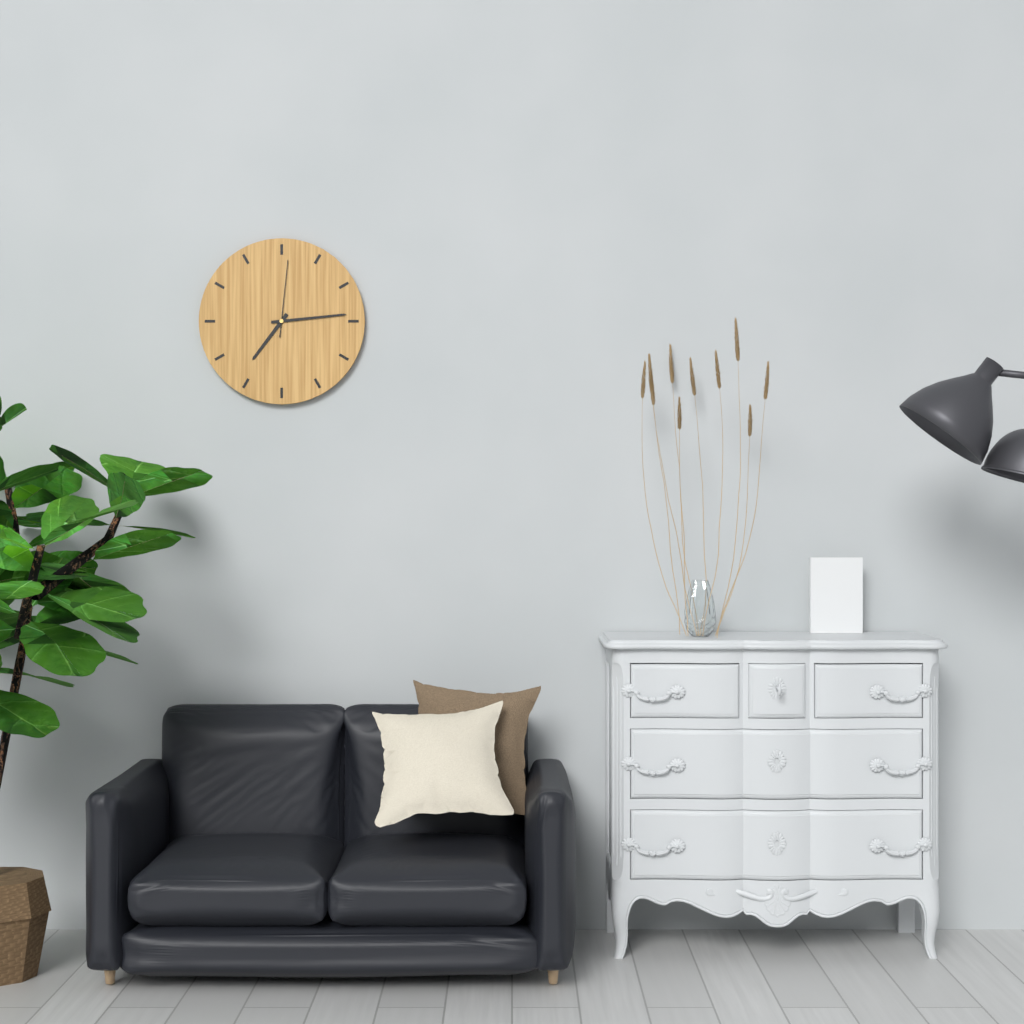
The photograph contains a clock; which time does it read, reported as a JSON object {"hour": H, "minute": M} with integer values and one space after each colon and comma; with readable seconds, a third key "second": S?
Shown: {"hour": 7, "minute": 14, "second": 1}
